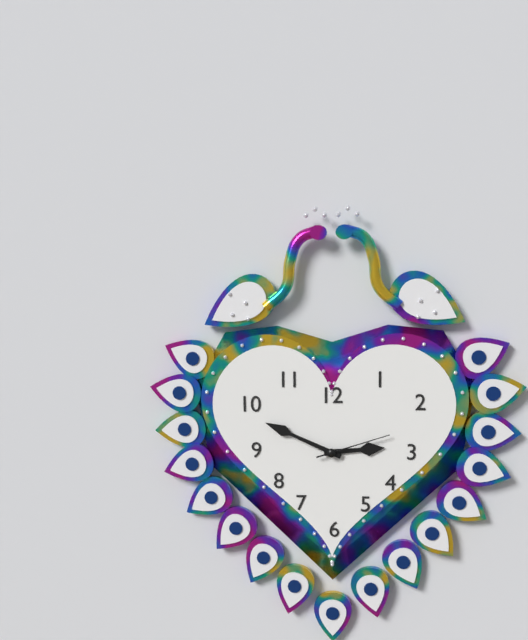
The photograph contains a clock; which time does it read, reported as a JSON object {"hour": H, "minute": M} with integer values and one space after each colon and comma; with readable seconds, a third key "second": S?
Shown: {"hour": 2, "minute": 49, "second": 12}
